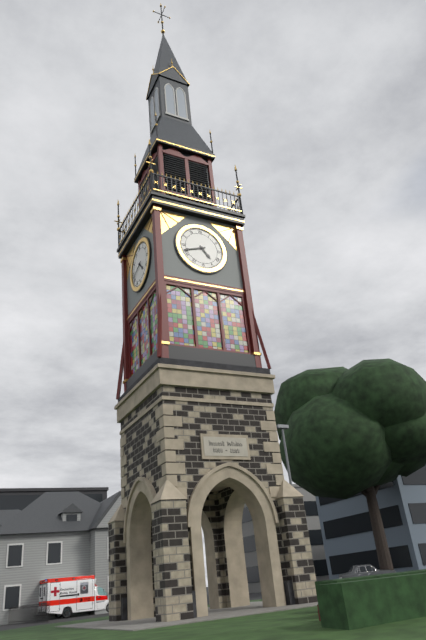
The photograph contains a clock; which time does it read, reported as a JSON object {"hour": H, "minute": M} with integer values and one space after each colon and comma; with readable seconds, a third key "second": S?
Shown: {"hour": 4, "minute": 42}
